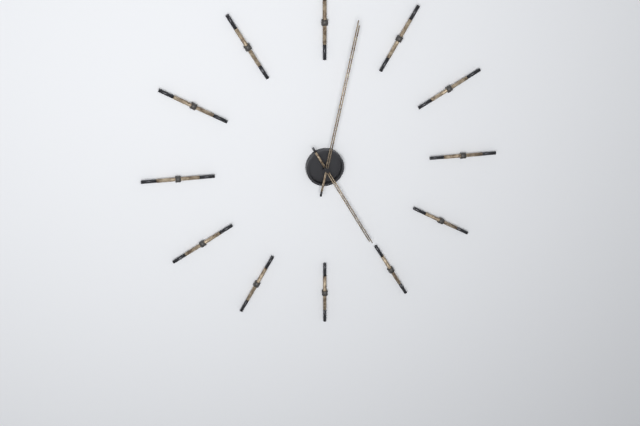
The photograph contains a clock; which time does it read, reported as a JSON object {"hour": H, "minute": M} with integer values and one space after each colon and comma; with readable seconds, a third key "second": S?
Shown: {"hour": 5, "minute": 2}
